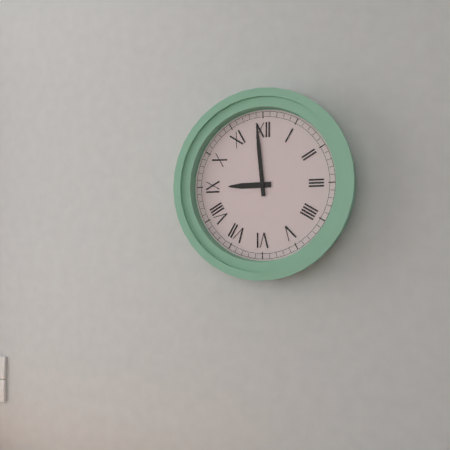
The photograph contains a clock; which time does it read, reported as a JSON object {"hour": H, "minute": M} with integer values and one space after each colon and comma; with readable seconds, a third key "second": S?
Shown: {"hour": 8, "minute": 59}
